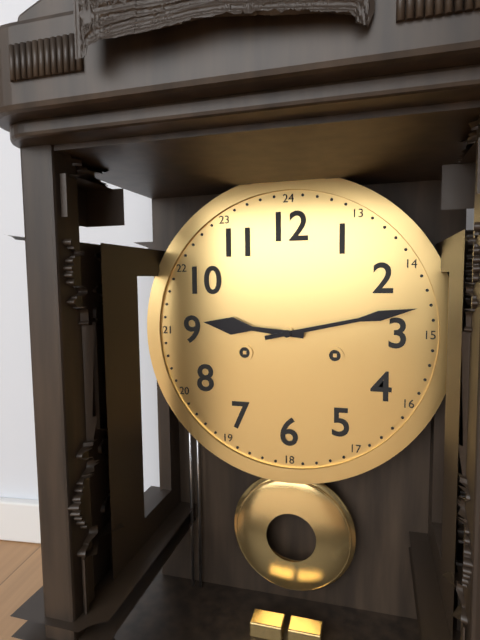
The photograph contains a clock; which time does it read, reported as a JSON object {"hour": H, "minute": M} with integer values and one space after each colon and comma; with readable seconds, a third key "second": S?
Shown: {"hour": 9, "minute": 13}
